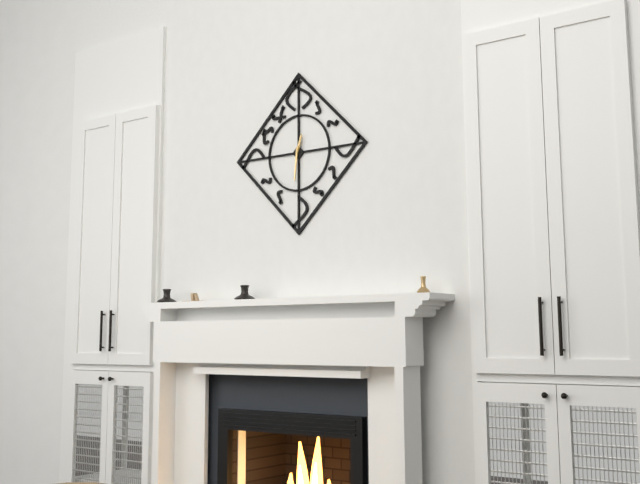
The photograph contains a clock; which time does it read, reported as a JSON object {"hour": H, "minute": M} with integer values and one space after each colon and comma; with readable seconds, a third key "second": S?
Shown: {"hour": 12, "minute": 31}
